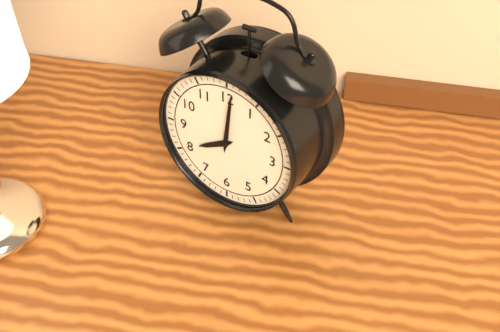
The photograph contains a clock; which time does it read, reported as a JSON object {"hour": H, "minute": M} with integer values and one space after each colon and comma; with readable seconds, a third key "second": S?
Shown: {"hour": 8, "minute": 1}
